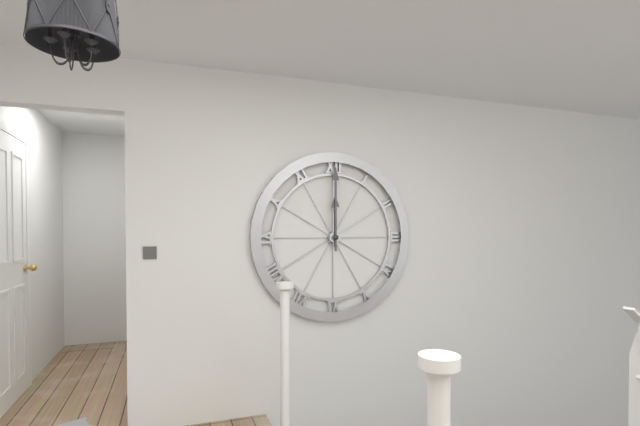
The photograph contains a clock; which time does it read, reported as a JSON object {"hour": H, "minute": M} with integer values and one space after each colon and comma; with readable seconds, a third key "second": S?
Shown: {"hour": 12, "minute": 0}
